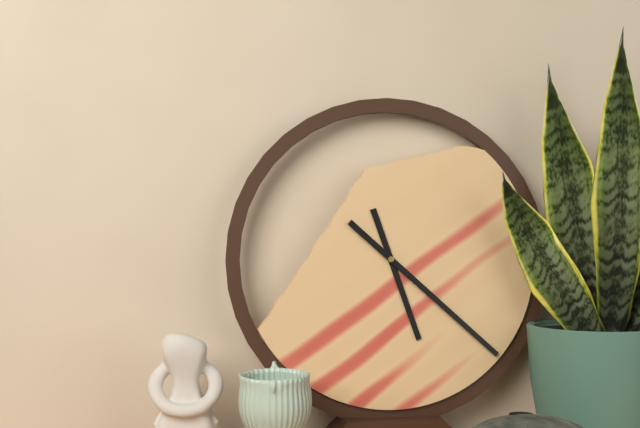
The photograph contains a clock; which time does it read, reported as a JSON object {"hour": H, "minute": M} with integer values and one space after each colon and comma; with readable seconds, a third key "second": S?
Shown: {"hour": 5, "minute": 22}
